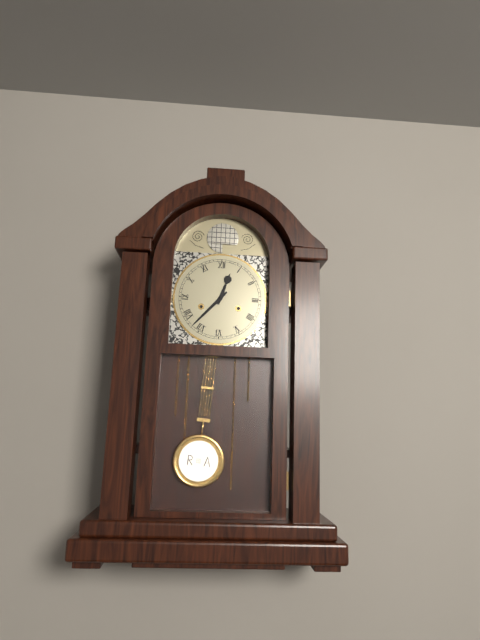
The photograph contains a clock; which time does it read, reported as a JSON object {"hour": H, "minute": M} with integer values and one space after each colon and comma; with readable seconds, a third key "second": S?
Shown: {"hour": 12, "minute": 37}
